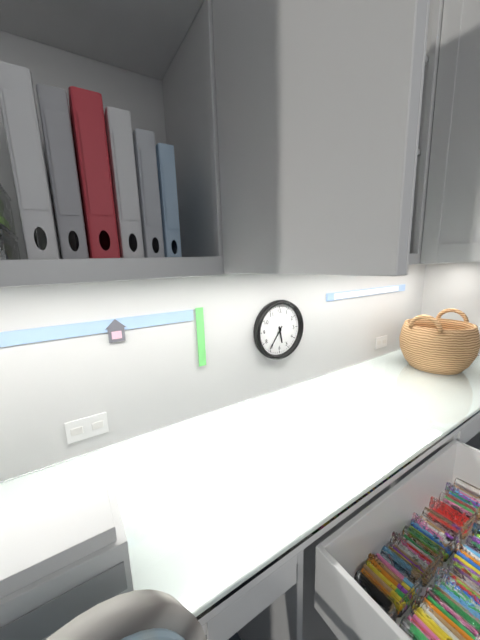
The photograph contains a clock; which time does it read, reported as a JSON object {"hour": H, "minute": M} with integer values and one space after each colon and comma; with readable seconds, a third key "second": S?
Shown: {"hour": 5, "minute": 36}
